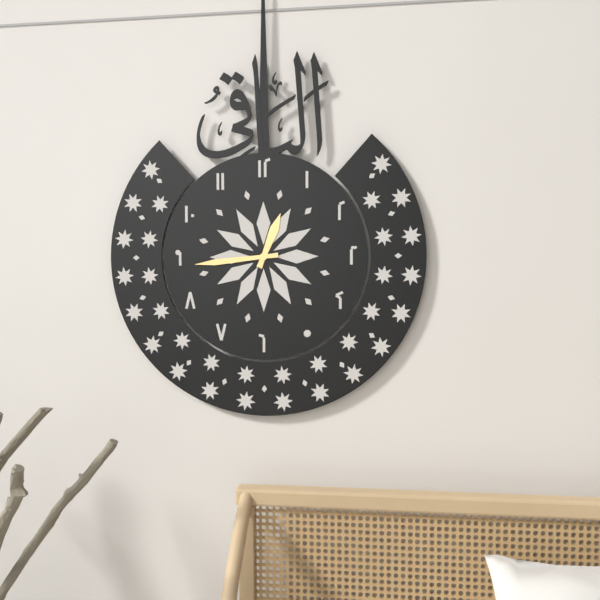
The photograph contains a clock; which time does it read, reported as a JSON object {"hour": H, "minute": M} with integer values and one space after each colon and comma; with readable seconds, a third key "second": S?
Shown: {"hour": 12, "minute": 44}
